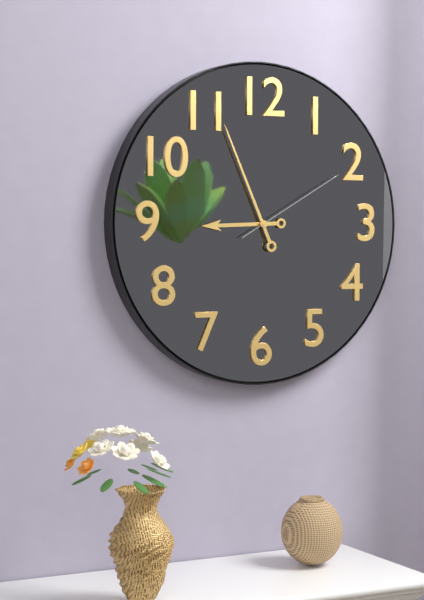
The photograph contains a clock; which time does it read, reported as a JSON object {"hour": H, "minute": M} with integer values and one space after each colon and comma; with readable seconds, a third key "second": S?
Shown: {"hour": 8, "minute": 56, "second": 10}
